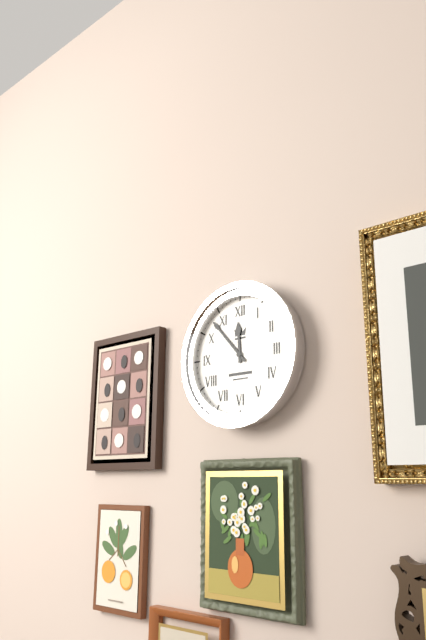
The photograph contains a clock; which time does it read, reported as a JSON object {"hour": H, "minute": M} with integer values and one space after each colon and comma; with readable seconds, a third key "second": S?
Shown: {"hour": 11, "minute": 53}
